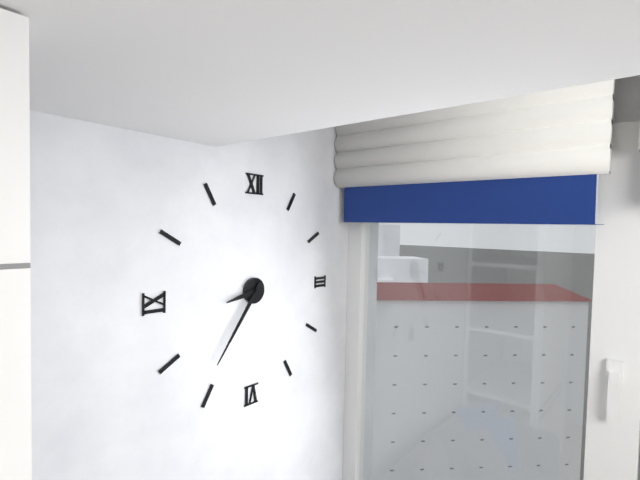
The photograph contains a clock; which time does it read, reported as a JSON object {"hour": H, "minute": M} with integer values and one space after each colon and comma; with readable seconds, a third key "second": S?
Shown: {"hour": 8, "minute": 36}
